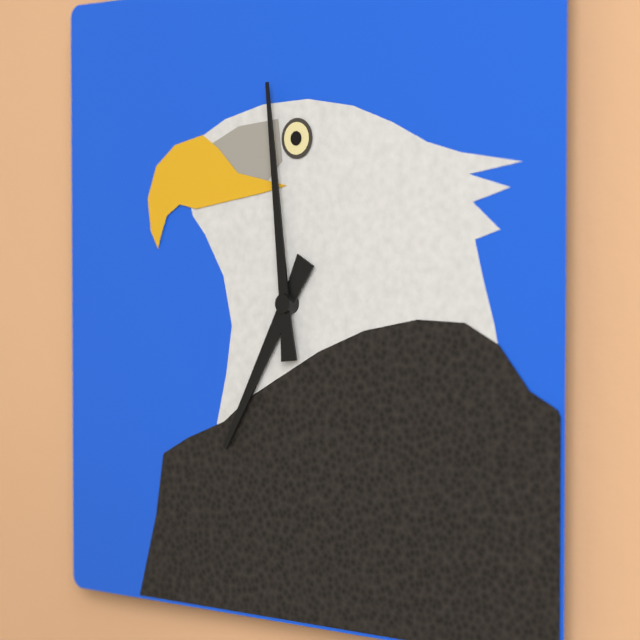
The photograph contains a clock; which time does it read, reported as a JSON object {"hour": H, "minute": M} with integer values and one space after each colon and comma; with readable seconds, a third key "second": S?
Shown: {"hour": 6, "minute": 59}
